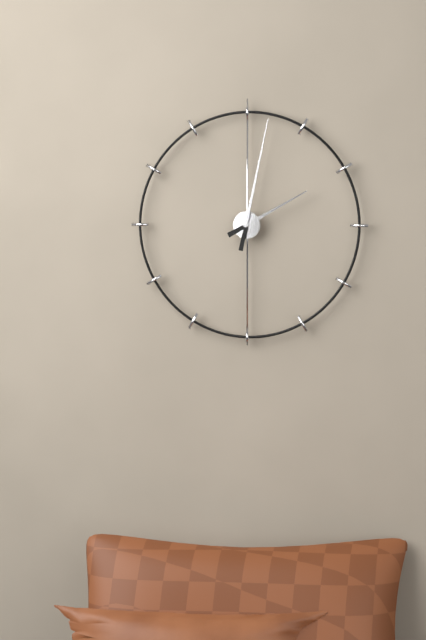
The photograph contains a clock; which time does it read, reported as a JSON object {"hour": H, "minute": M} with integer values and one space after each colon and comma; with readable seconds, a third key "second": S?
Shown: {"hour": 2, "minute": 2}
